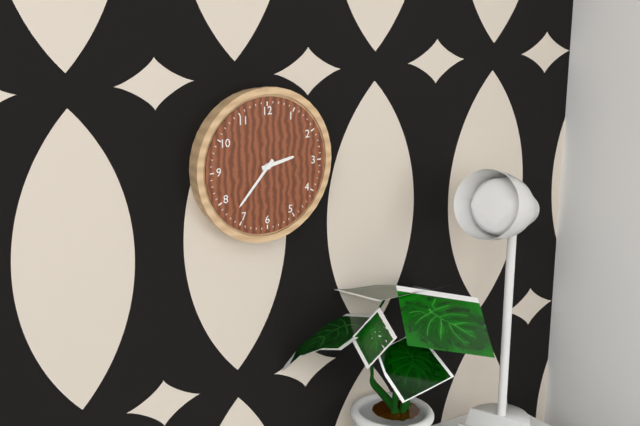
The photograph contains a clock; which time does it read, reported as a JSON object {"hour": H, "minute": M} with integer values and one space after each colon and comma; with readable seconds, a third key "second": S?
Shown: {"hour": 2, "minute": 37}
